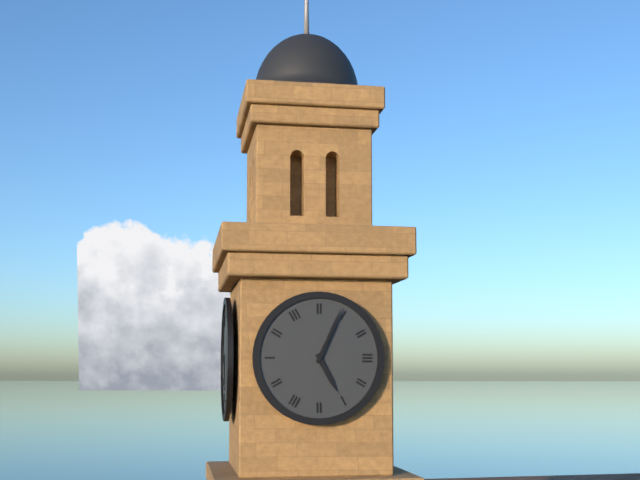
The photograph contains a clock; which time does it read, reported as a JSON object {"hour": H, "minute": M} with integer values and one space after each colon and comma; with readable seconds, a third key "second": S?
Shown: {"hour": 5, "minute": 4}
